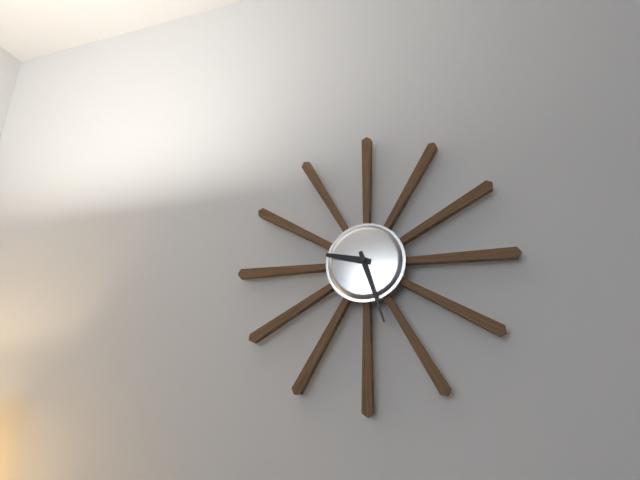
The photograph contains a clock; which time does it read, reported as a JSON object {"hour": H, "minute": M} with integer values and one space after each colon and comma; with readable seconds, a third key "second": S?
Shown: {"hour": 9, "minute": 27}
